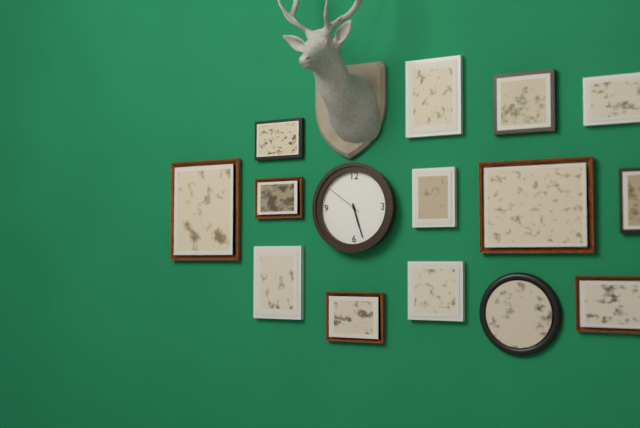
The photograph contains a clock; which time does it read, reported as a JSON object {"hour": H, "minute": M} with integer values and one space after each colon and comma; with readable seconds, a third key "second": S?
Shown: {"hour": 5, "minute": 27}
